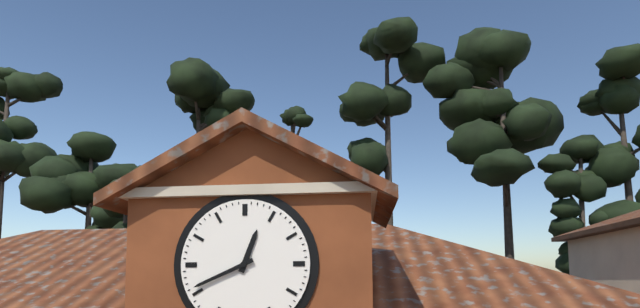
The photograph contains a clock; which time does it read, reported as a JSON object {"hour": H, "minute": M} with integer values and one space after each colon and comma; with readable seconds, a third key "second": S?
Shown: {"hour": 12, "minute": 41}
